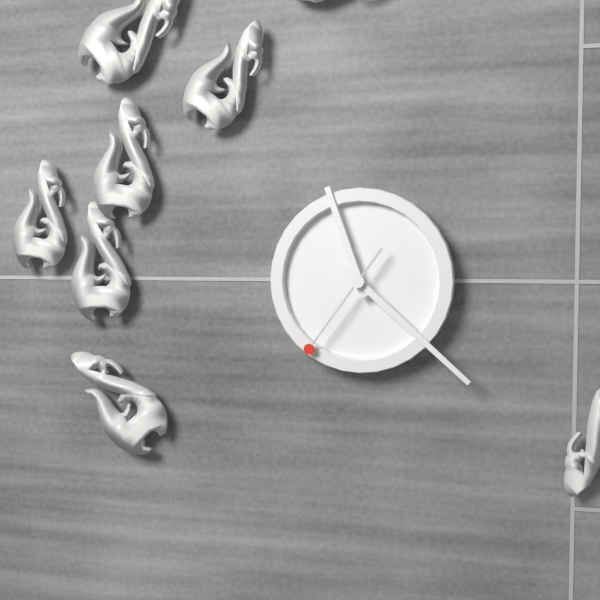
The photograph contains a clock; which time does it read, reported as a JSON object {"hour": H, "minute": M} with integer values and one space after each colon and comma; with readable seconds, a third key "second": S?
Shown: {"hour": 11, "minute": 22, "second": 36}
